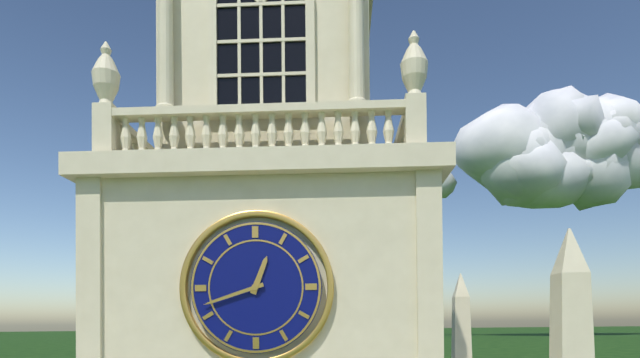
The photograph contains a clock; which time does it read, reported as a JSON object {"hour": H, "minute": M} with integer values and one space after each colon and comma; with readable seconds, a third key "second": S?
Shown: {"hour": 12, "minute": 42}
